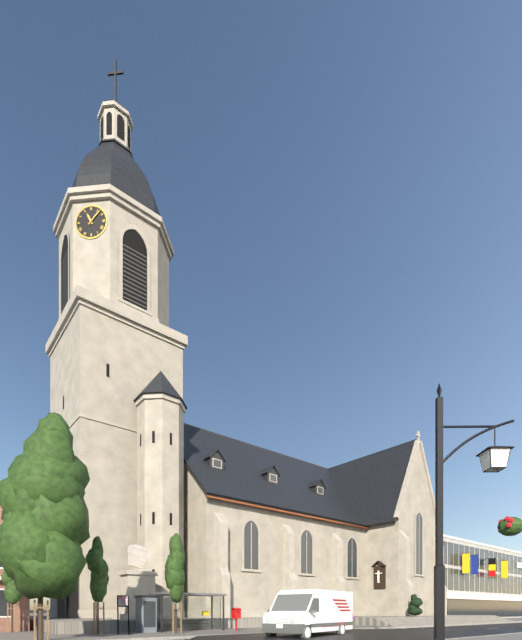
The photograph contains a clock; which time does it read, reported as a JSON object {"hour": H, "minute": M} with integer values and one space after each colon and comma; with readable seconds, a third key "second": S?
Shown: {"hour": 11, "minute": 7}
